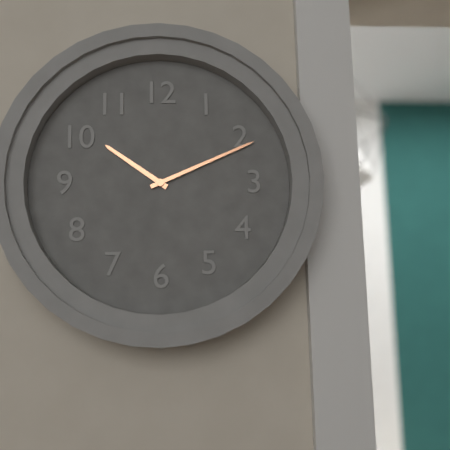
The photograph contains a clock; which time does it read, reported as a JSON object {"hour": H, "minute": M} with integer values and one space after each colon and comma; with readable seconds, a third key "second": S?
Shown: {"hour": 10, "minute": 11}
